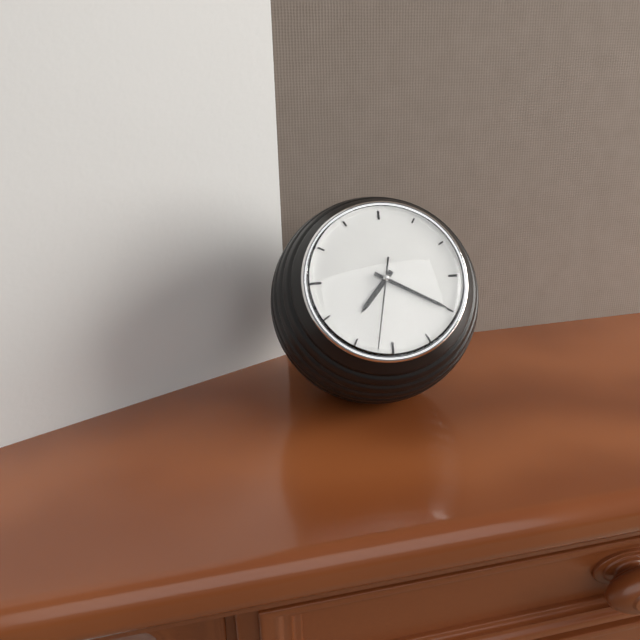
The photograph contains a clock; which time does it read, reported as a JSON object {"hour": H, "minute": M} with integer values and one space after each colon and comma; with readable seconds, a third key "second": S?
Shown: {"hour": 7, "minute": 20, "second": 32}
